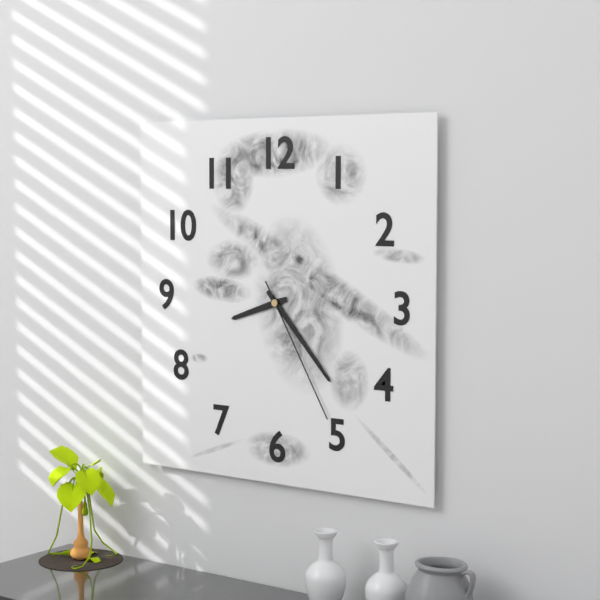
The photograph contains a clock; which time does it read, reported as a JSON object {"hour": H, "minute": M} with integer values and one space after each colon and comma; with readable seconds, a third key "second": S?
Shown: {"hour": 8, "minute": 23, "second": 25}
